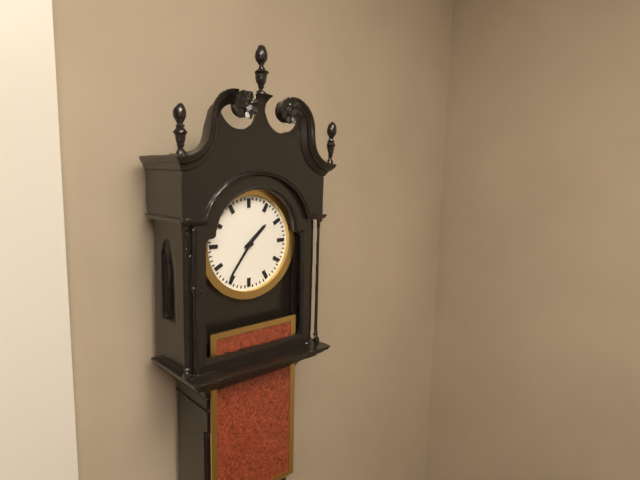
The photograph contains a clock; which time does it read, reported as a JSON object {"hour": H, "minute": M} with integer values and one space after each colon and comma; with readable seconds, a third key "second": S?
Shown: {"hour": 1, "minute": 36}
